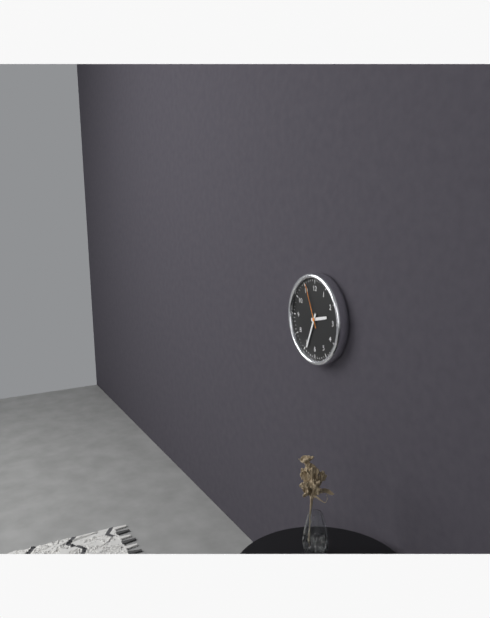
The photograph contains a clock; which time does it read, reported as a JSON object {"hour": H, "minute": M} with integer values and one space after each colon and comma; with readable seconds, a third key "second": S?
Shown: {"hour": 2, "minute": 34}
